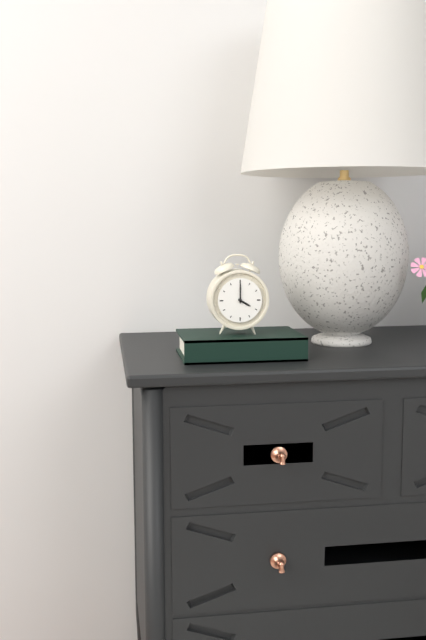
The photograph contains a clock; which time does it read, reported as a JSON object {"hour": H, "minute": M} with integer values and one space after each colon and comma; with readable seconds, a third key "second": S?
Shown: {"hour": 4, "minute": 0}
